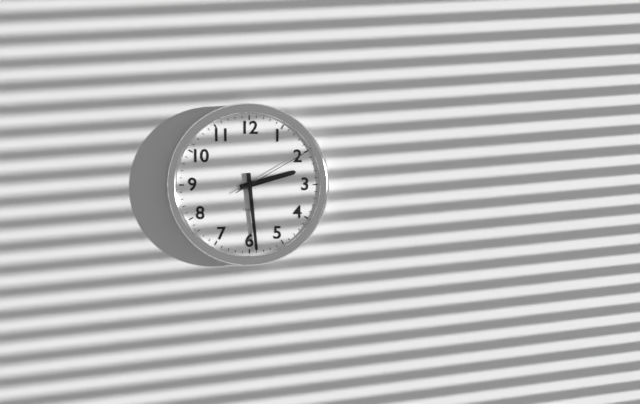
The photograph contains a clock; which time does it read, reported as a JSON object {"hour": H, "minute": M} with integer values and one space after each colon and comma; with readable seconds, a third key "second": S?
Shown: {"hour": 2, "minute": 29, "second": 10}
